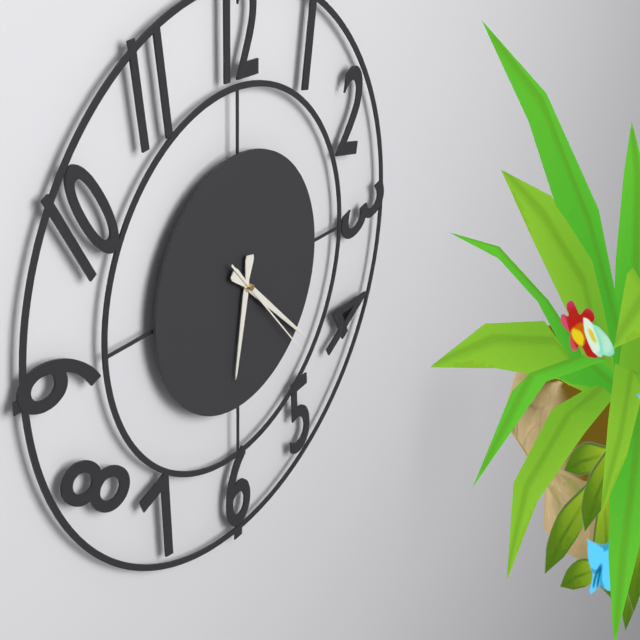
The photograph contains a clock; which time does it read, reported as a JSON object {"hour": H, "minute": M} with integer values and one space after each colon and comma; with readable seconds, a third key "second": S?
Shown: {"hour": 6, "minute": 22, "second": 23}
